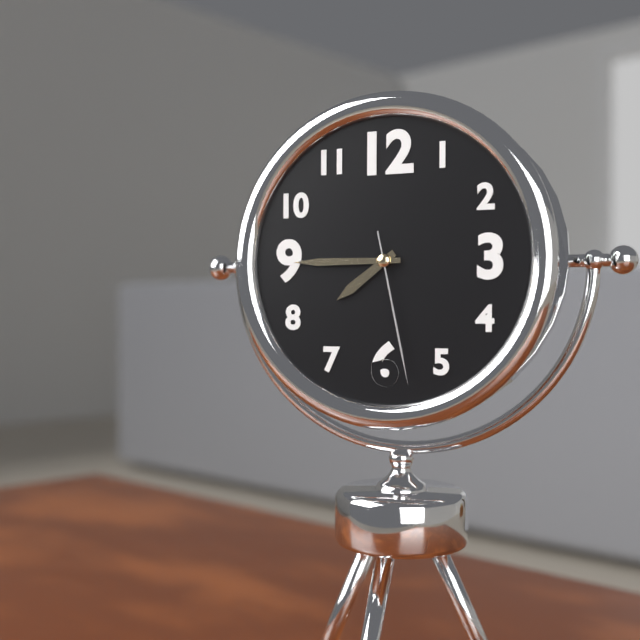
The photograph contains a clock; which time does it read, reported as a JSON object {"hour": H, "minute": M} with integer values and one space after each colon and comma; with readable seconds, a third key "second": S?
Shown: {"hour": 7, "minute": 45, "second": 28}
